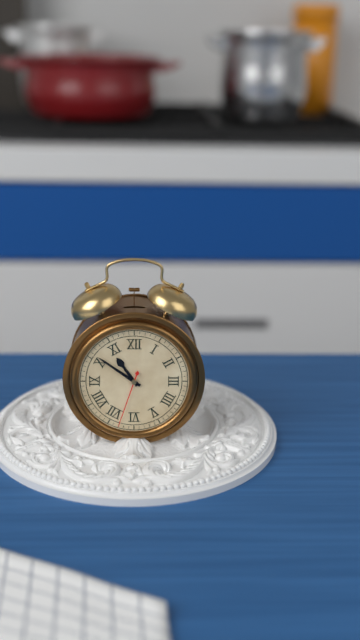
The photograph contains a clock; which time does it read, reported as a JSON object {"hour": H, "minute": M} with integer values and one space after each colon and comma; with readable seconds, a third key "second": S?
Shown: {"hour": 10, "minute": 51, "second": 33}
